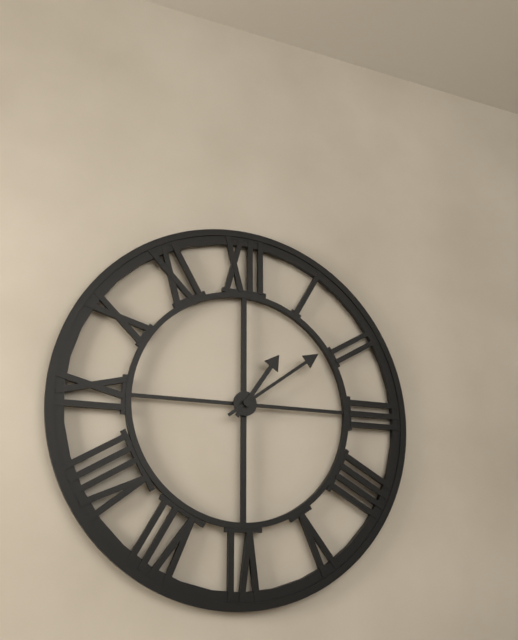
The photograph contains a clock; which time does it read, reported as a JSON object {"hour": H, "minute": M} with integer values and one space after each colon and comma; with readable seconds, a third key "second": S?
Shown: {"hour": 1, "minute": 9}
